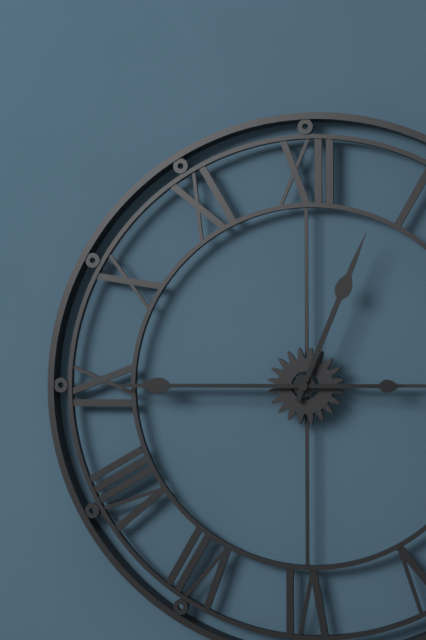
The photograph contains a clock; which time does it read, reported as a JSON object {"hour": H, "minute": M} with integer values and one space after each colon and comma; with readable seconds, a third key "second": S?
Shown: {"hour": 12, "minute": 45}
